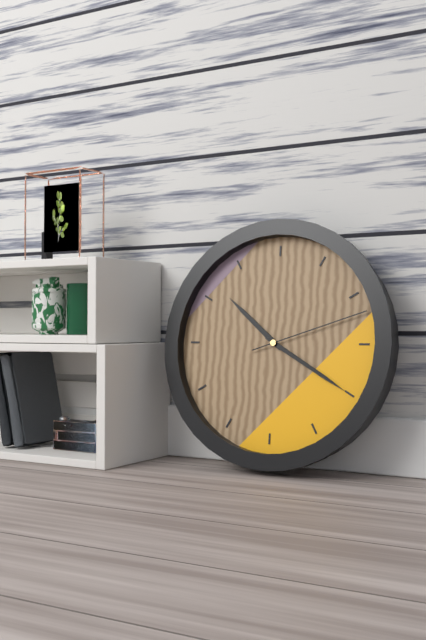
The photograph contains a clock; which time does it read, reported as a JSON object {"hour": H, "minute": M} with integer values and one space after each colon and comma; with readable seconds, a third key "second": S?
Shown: {"hour": 10, "minute": 20, "second": 12}
